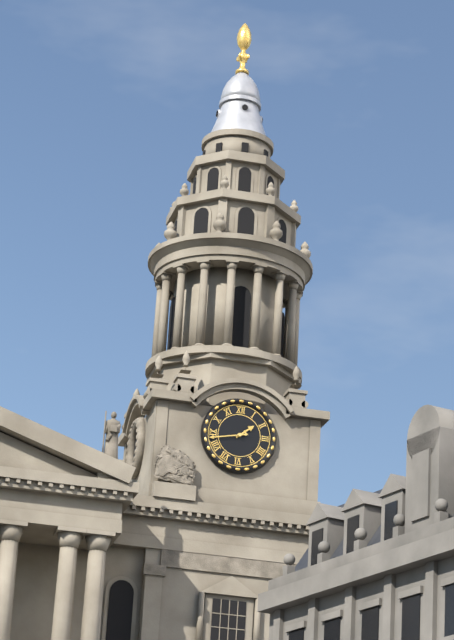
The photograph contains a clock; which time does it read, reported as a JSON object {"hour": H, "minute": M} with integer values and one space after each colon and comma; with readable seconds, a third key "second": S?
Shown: {"hour": 1, "minute": 43}
